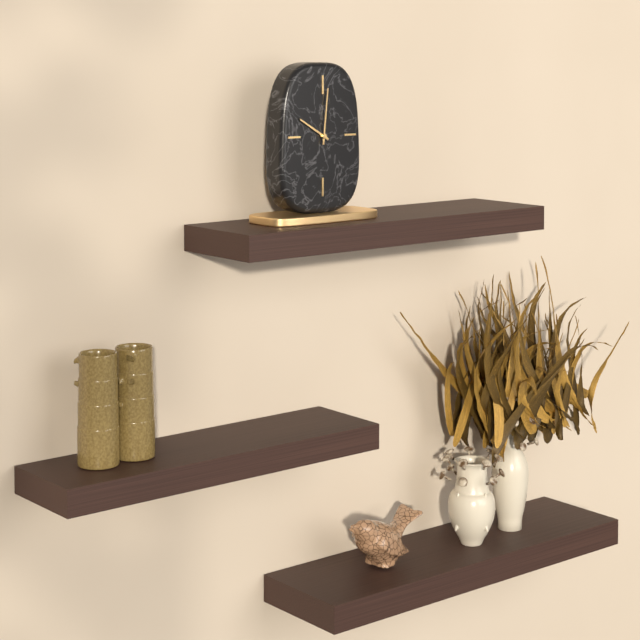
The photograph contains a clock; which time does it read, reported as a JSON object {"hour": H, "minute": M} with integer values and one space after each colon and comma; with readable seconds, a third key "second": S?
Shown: {"hour": 10, "minute": 1}
